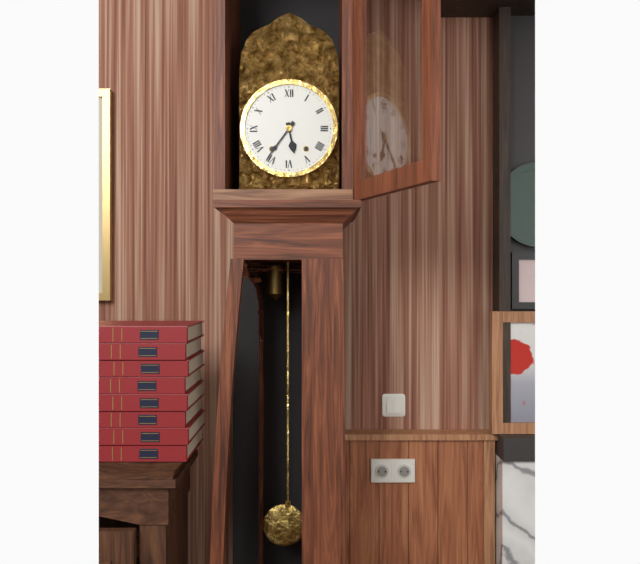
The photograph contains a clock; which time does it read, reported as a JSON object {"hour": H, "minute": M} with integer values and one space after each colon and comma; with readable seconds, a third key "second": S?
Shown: {"hour": 5, "minute": 36}
